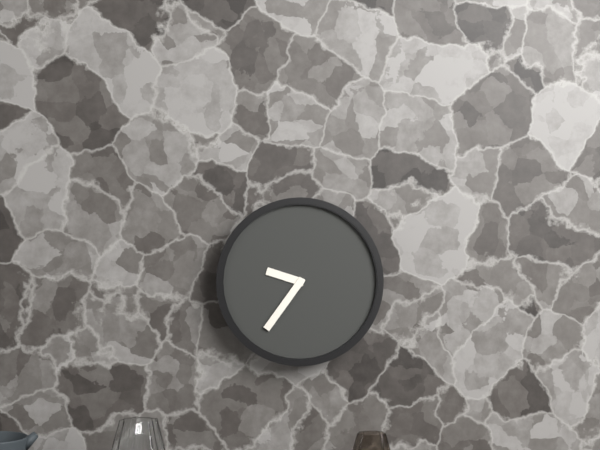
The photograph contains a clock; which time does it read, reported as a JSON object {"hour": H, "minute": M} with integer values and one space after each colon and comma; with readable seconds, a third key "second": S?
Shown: {"hour": 9, "minute": 36}
